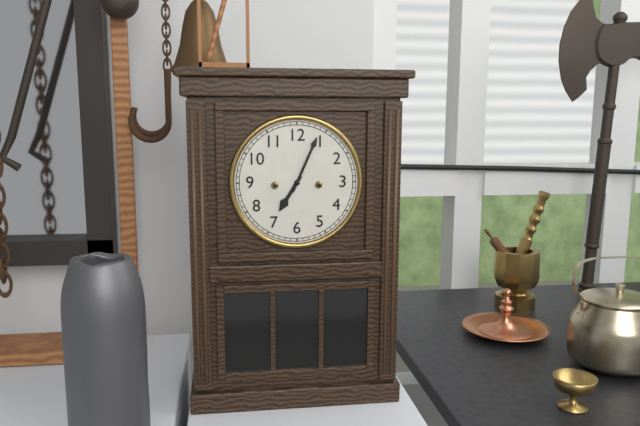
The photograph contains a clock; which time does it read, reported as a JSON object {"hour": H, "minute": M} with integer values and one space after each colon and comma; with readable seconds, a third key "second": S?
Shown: {"hour": 7, "minute": 4}
